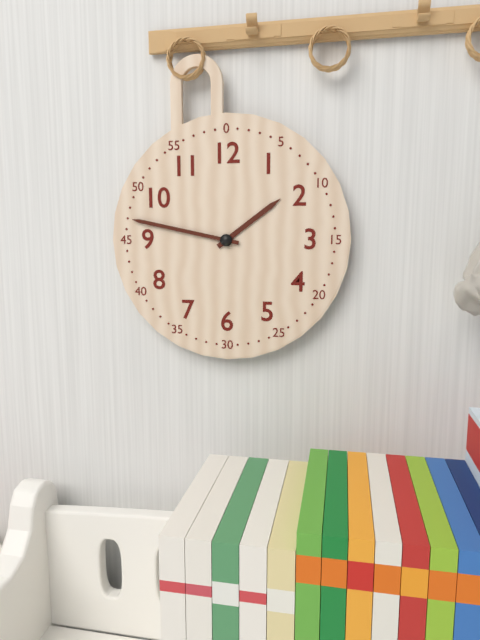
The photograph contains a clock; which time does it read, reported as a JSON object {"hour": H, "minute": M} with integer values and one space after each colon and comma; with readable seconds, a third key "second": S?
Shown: {"hour": 1, "minute": 47}
